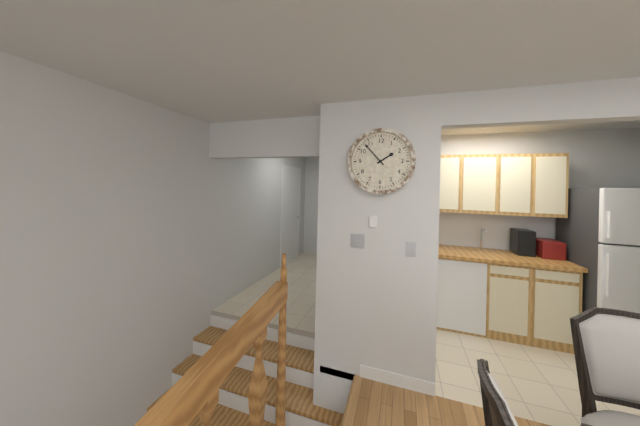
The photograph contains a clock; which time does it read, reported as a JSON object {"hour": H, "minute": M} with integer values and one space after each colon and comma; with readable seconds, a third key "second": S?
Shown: {"hour": 1, "minute": 53}
